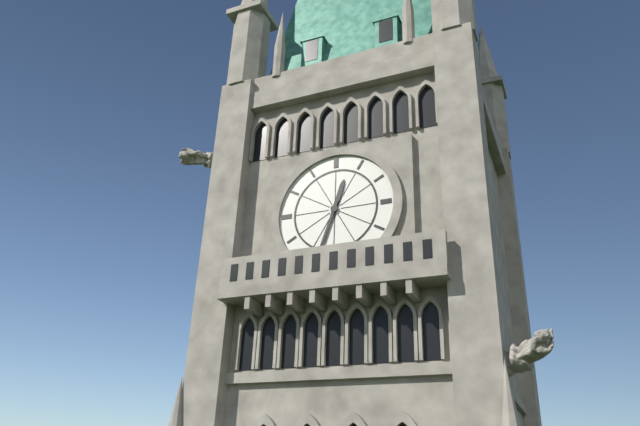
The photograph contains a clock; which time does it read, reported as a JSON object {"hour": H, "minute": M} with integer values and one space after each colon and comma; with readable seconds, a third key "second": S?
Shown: {"hour": 12, "minute": 33}
